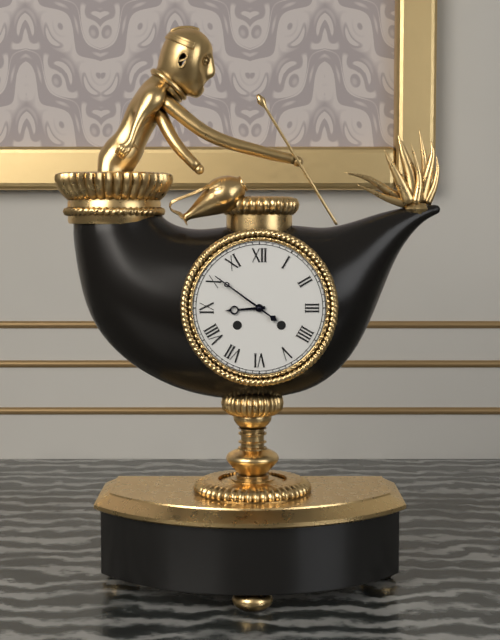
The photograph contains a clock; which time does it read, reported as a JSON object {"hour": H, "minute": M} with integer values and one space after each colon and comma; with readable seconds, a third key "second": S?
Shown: {"hour": 8, "minute": 51}
